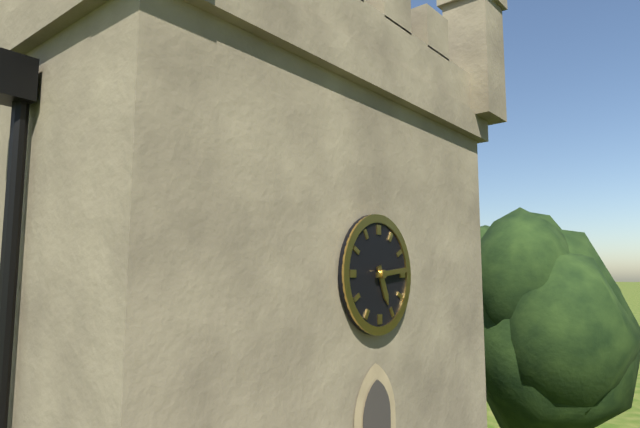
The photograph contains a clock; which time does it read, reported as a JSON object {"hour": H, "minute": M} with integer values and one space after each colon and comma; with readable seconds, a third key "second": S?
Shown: {"hour": 5, "minute": 14}
